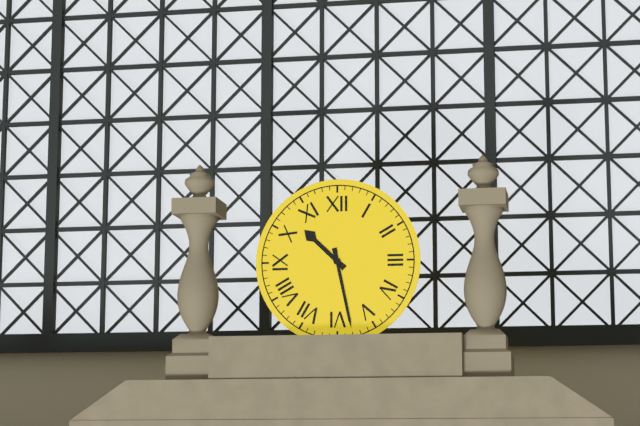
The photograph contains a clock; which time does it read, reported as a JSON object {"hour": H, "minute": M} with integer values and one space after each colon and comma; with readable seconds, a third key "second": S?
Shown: {"hour": 10, "minute": 28}
